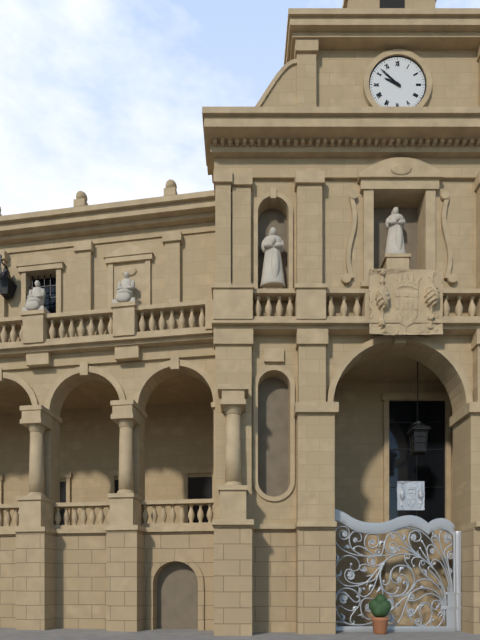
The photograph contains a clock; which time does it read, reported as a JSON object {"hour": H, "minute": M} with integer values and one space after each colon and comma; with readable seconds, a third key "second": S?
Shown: {"hour": 9, "minute": 52}
